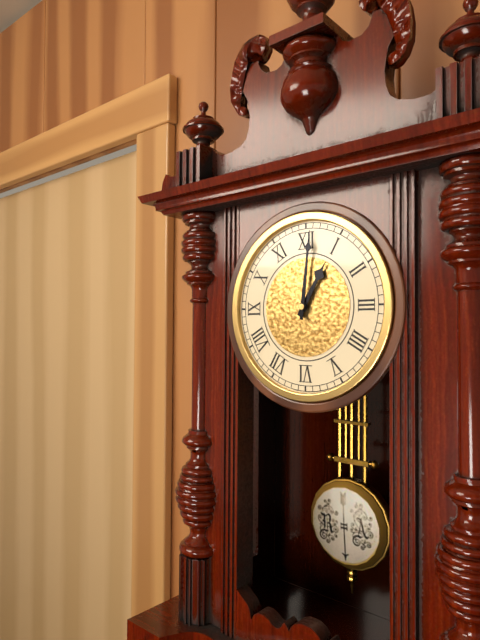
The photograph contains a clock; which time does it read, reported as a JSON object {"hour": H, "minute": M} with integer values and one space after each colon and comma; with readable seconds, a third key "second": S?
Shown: {"hour": 1, "minute": 1}
